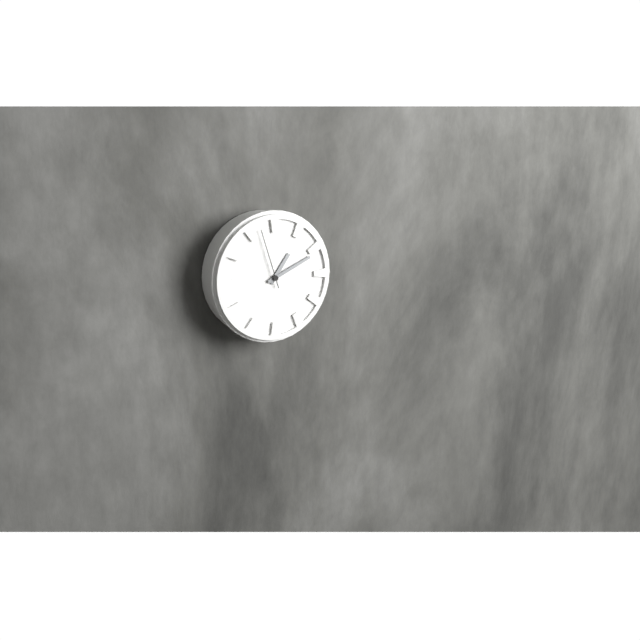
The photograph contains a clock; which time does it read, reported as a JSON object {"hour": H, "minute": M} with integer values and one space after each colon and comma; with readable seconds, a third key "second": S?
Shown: {"hour": 1, "minute": 11, "second": 57}
